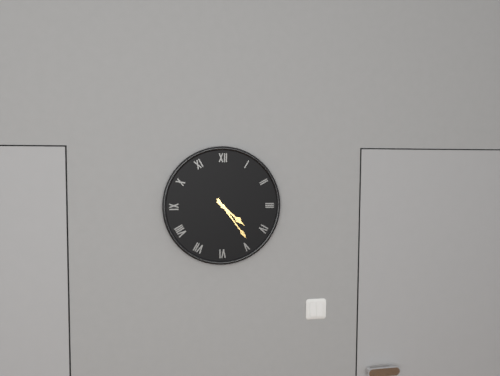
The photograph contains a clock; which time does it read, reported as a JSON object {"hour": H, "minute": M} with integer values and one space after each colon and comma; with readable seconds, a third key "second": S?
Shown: {"hour": 4, "minute": 24}
